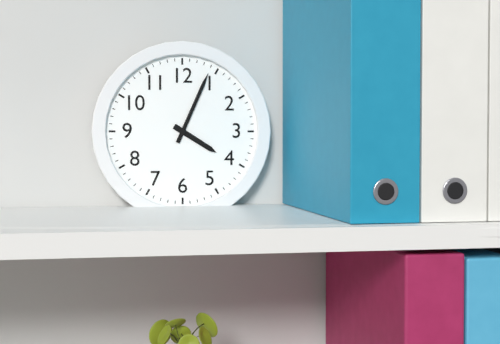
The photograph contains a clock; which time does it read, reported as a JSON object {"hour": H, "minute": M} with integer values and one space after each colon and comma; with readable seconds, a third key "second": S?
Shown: {"hour": 4, "minute": 4}
